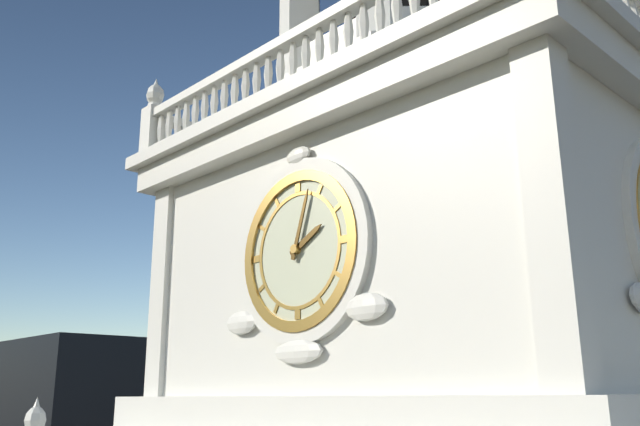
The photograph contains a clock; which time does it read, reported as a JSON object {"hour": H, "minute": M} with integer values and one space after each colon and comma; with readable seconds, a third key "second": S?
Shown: {"hour": 2, "minute": 3}
